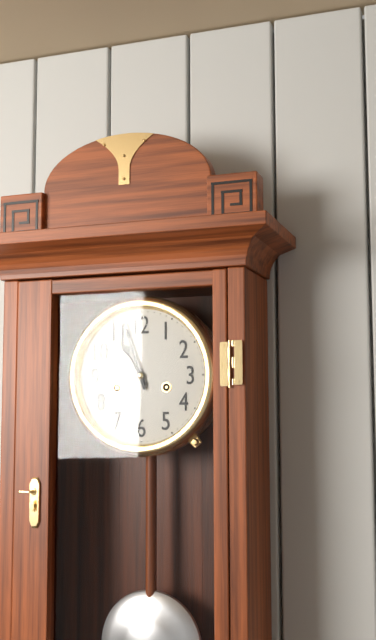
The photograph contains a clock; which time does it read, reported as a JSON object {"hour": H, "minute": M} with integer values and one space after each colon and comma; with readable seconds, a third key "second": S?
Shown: {"hour": 10, "minute": 57}
